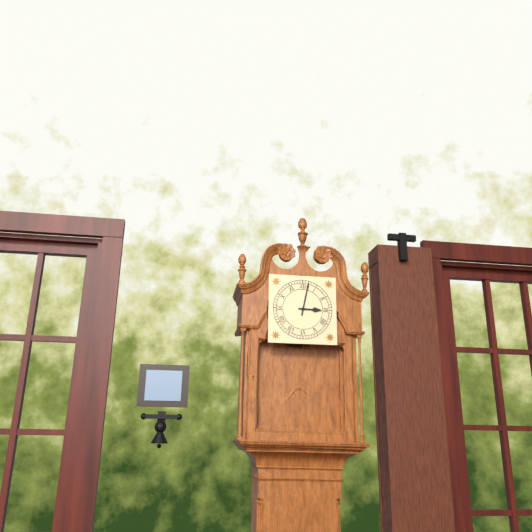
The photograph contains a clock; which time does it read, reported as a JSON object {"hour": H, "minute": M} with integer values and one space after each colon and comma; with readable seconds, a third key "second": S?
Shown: {"hour": 3, "minute": 2}
